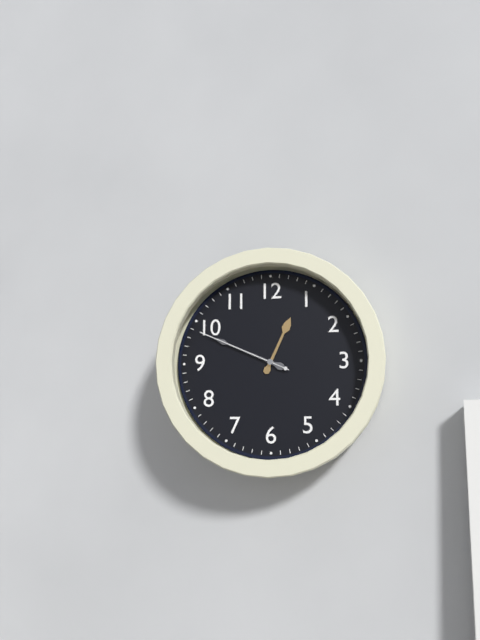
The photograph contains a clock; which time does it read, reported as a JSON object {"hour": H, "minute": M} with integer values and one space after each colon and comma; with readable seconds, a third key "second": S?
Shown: {"hour": 12, "minute": 49, "second": 49}
